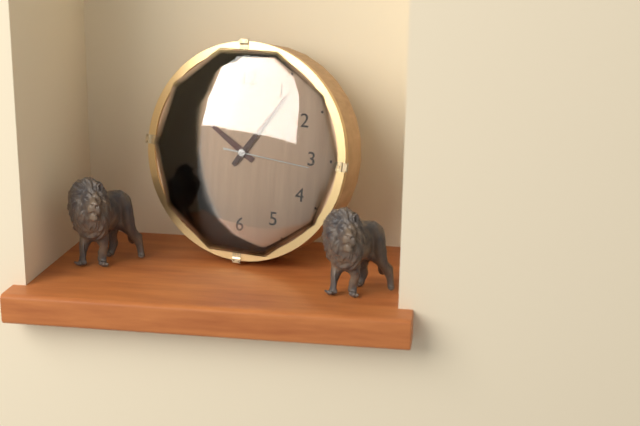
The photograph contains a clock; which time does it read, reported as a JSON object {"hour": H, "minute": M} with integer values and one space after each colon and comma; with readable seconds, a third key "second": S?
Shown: {"hour": 10, "minute": 6, "second": 16}
